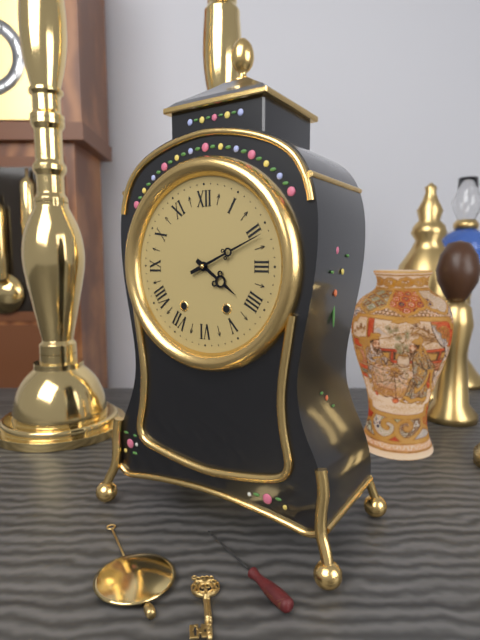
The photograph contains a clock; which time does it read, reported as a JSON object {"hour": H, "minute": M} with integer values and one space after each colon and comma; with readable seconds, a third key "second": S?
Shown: {"hour": 4, "minute": 11}
